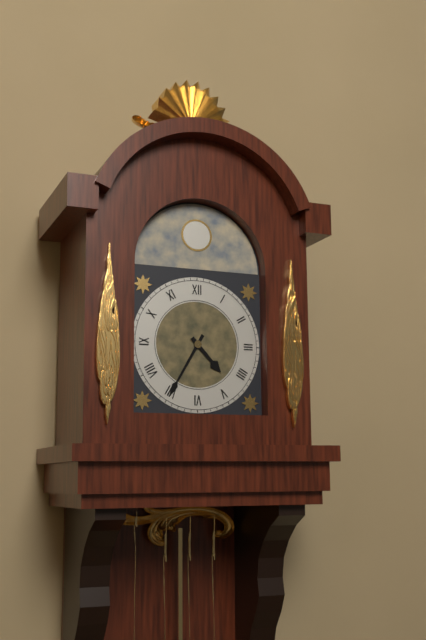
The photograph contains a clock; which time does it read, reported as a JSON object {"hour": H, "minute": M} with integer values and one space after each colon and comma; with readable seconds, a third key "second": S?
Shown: {"hour": 4, "minute": 35}
